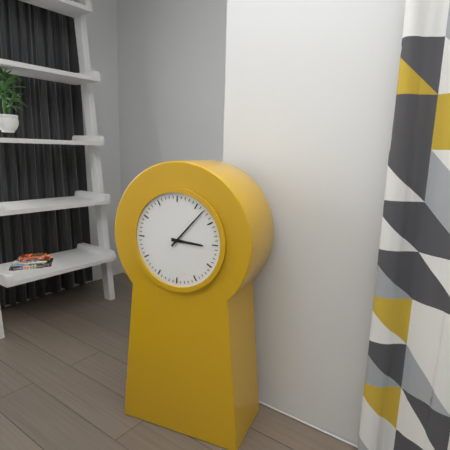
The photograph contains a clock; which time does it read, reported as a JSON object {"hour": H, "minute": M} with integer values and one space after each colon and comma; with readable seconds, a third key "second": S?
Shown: {"hour": 3, "minute": 7}
